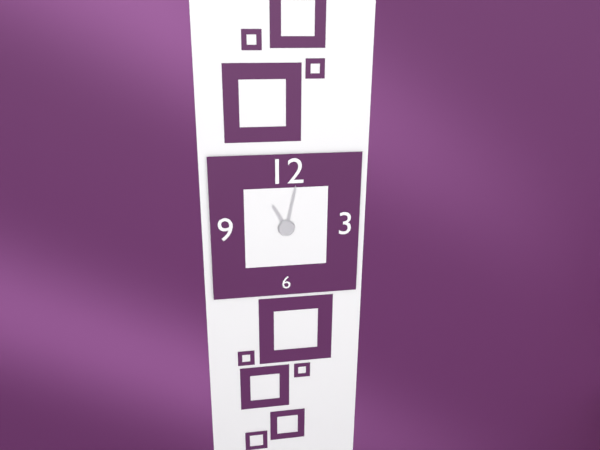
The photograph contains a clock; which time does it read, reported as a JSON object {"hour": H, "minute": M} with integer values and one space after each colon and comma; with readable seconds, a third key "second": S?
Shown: {"hour": 11, "minute": 2}
